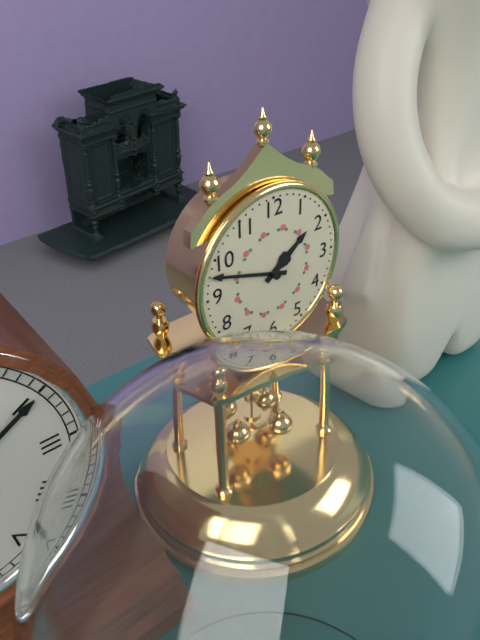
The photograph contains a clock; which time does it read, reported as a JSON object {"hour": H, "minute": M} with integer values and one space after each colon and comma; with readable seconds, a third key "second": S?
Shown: {"hour": 1, "minute": 48}
